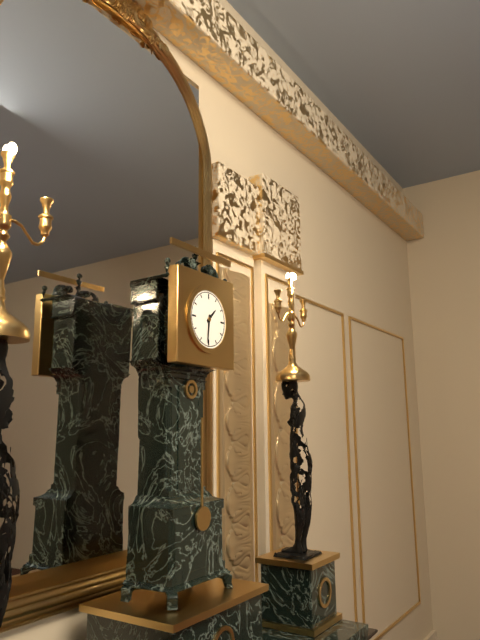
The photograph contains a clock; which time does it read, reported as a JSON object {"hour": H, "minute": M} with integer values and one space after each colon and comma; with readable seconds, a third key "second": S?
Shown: {"hour": 1, "minute": 31}
